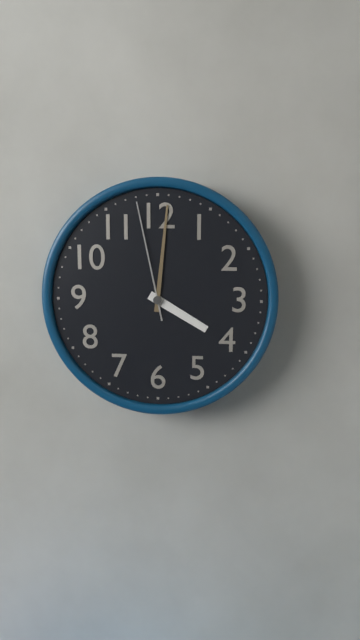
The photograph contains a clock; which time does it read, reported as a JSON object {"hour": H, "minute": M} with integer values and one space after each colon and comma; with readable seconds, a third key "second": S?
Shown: {"hour": 4, "minute": 1, "second": 58}
